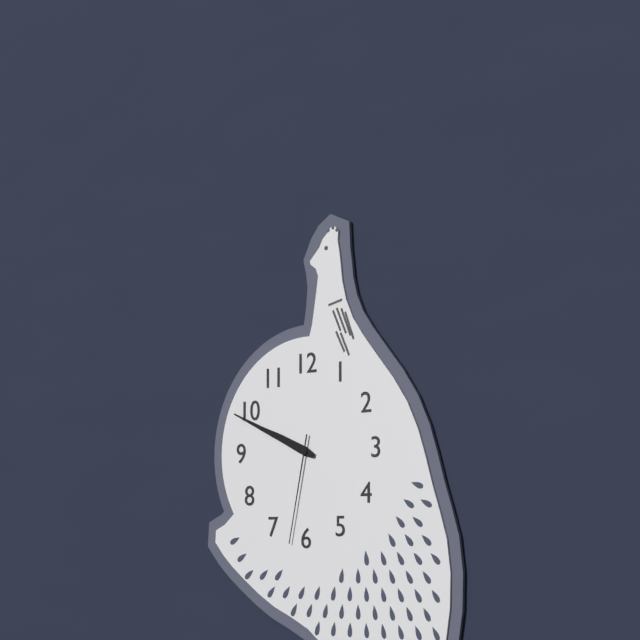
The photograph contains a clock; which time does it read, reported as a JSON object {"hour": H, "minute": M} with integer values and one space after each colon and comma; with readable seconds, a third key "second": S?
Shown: {"hour": 9, "minute": 49, "second": 32}
